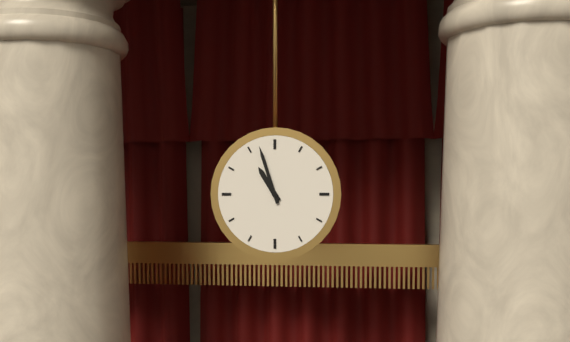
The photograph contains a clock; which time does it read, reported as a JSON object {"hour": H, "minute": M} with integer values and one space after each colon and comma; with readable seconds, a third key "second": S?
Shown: {"hour": 10, "minute": 57}
